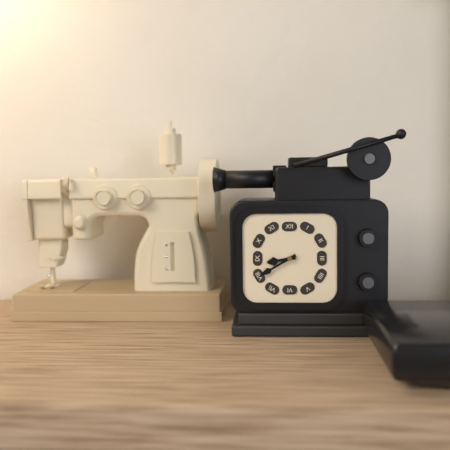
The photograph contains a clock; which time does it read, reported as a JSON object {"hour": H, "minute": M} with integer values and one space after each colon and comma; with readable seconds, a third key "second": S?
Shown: {"hour": 8, "minute": 40}
